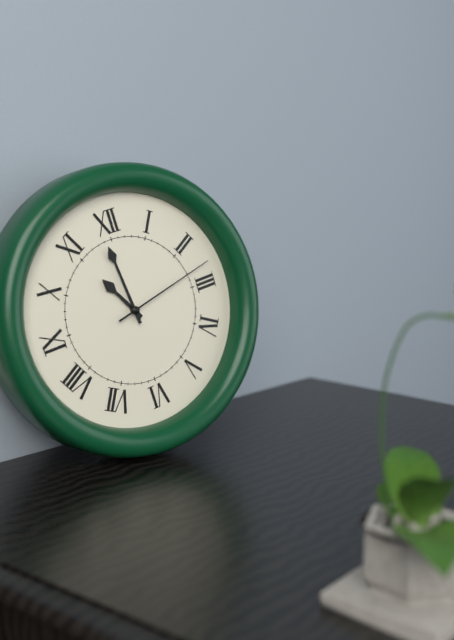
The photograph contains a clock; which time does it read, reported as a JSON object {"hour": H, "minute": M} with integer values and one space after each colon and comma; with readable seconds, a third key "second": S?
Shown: {"hour": 10, "minute": 59, "second": 13}
